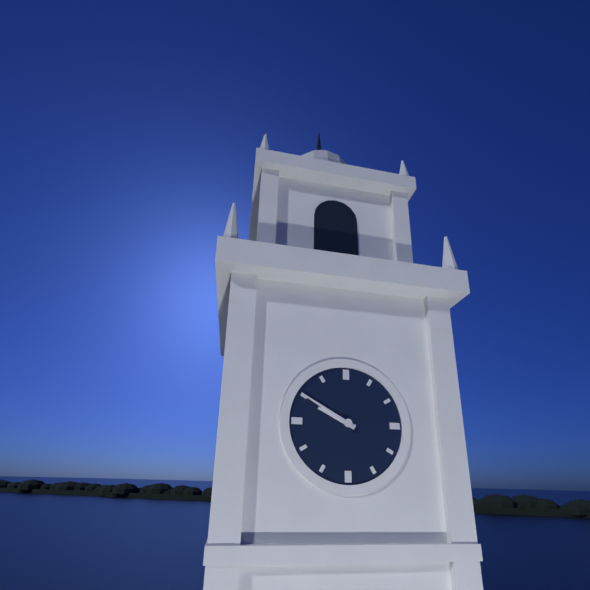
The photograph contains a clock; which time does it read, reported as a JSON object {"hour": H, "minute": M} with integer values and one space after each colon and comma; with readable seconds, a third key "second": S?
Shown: {"hour": 9, "minute": 50}
